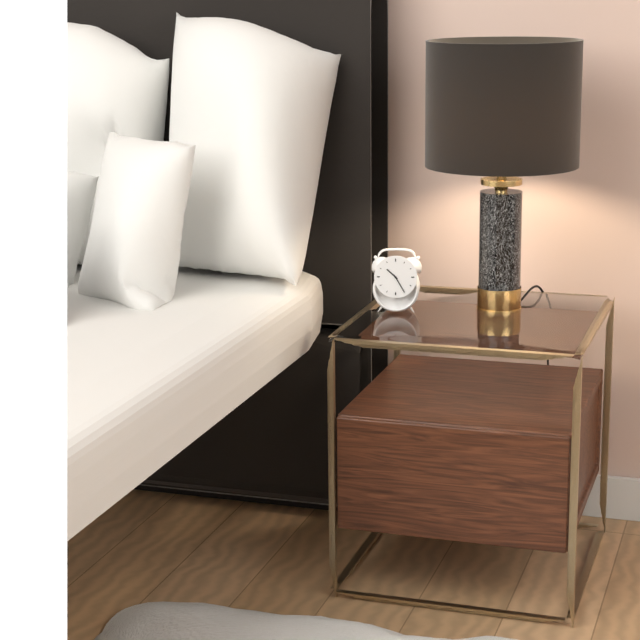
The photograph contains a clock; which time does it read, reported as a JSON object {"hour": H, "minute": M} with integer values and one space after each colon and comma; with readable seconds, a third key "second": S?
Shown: {"hour": 10, "minute": 25}
